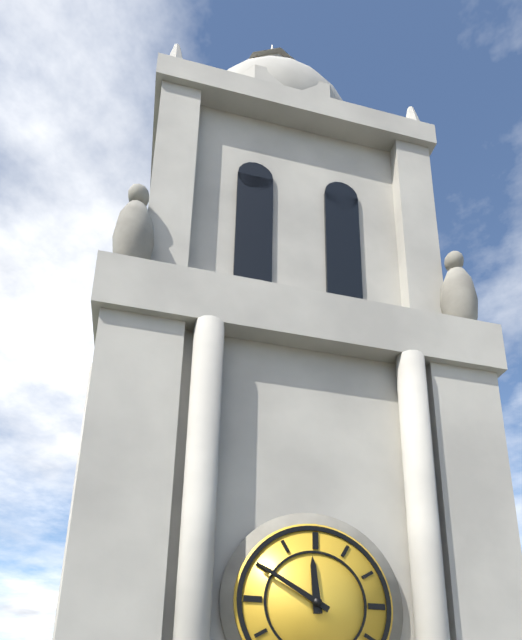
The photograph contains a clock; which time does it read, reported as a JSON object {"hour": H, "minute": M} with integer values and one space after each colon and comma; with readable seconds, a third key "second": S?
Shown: {"hour": 11, "minute": 50}
